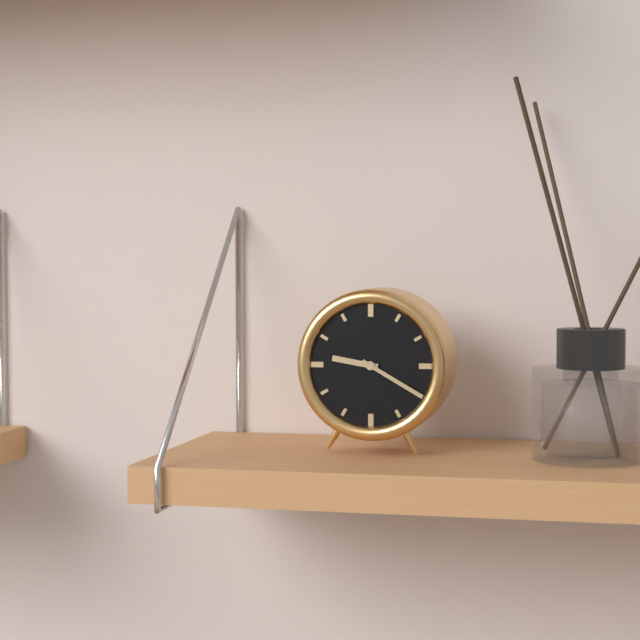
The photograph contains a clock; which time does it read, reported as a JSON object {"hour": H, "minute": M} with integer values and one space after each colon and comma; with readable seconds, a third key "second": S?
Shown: {"hour": 9, "minute": 20}
